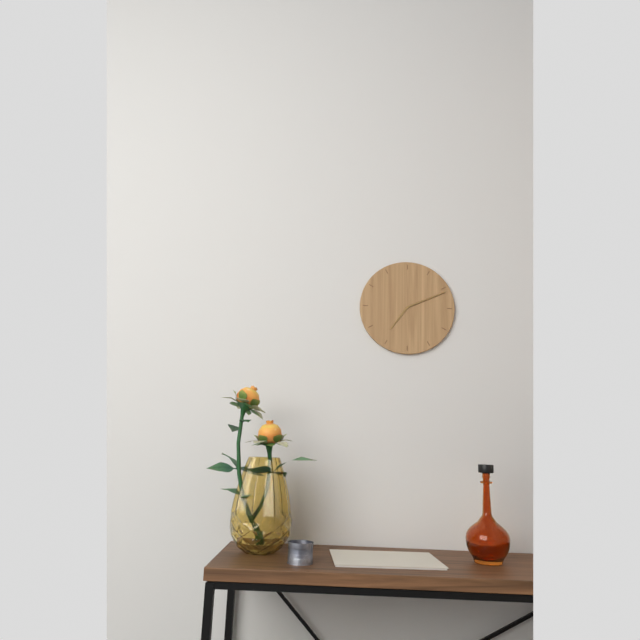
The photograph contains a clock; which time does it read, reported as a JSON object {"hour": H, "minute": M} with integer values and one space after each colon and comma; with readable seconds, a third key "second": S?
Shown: {"hour": 7, "minute": 11}
